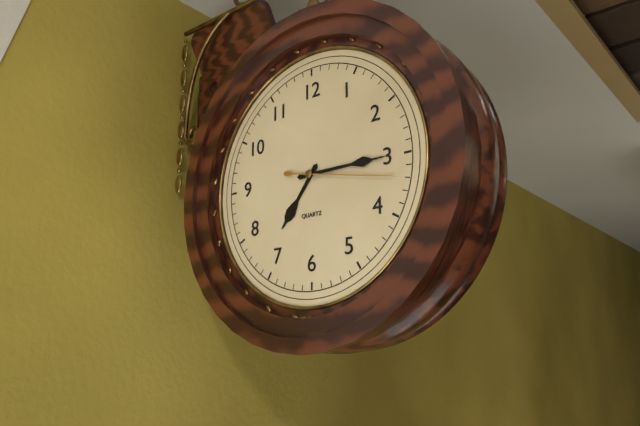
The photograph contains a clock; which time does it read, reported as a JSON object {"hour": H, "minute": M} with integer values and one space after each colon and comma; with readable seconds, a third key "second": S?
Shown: {"hour": 7, "minute": 15, "second": 17}
